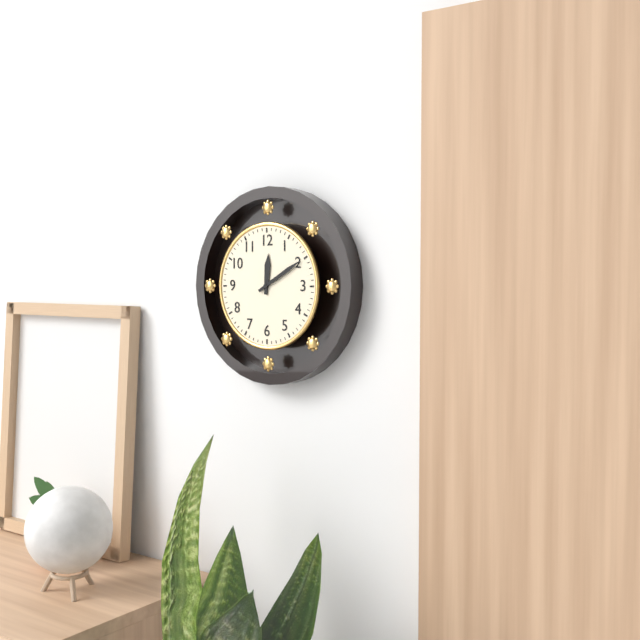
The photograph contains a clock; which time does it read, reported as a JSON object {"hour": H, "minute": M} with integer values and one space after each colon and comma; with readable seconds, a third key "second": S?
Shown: {"hour": 12, "minute": 10}
